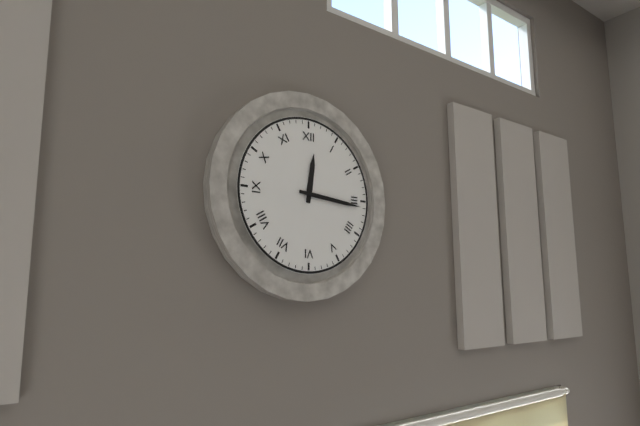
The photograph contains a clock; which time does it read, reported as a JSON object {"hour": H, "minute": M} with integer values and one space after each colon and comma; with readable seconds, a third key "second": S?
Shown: {"hour": 12, "minute": 16}
